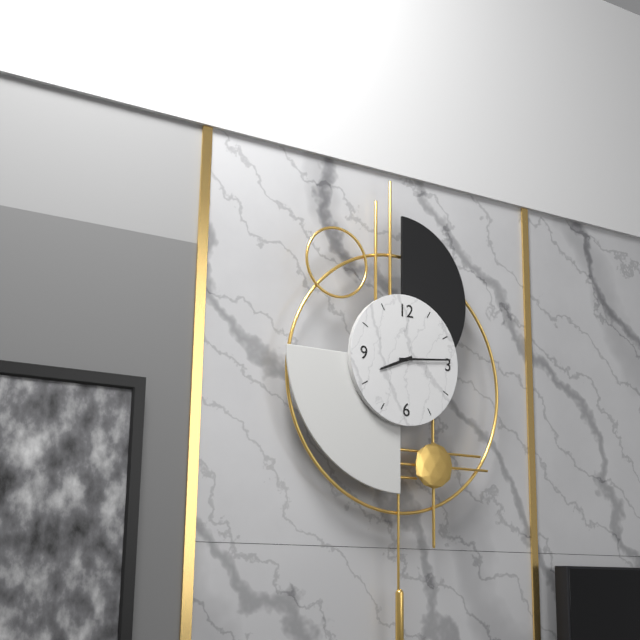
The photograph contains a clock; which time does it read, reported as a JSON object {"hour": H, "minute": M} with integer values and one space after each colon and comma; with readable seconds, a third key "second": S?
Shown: {"hour": 8, "minute": 14}
